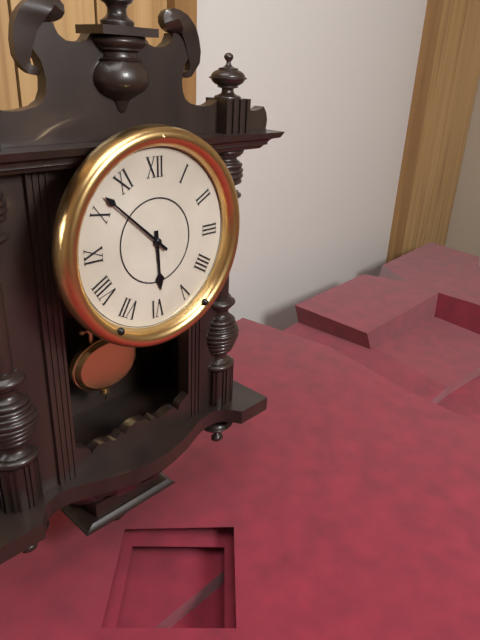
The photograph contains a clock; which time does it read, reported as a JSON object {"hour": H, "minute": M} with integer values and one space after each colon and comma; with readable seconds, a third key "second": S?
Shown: {"hour": 5, "minute": 52}
